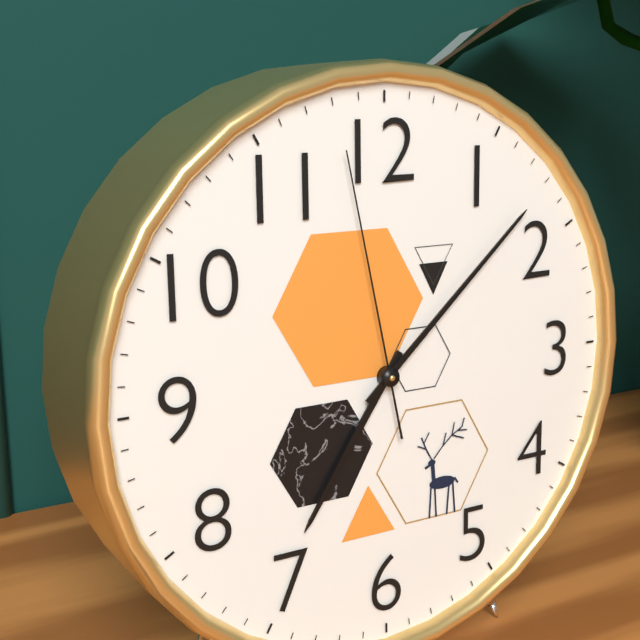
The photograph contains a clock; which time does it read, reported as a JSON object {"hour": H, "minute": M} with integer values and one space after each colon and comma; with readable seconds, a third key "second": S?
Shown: {"hour": 7, "minute": 8, "second": 58}
